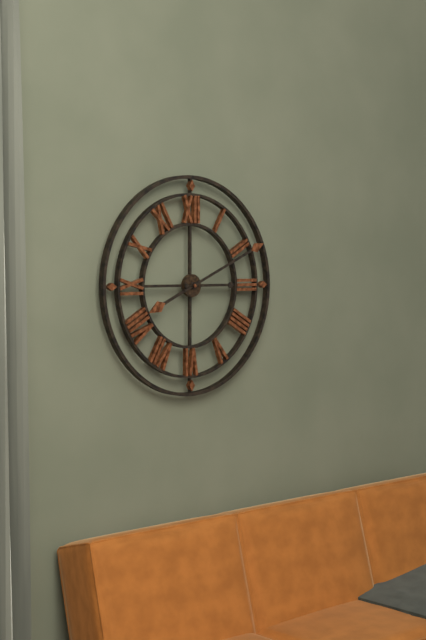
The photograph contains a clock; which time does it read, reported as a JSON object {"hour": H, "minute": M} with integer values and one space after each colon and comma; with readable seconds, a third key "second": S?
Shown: {"hour": 8, "minute": 11, "second": 15}
